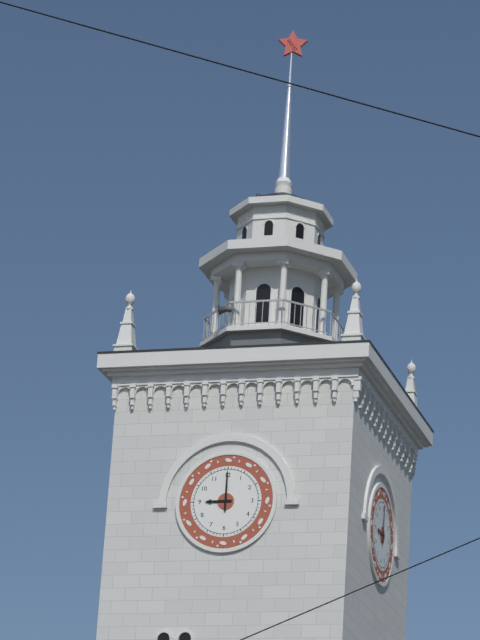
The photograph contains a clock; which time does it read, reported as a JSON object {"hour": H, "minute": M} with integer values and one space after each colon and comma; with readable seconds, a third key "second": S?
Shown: {"hour": 9, "minute": 0}
